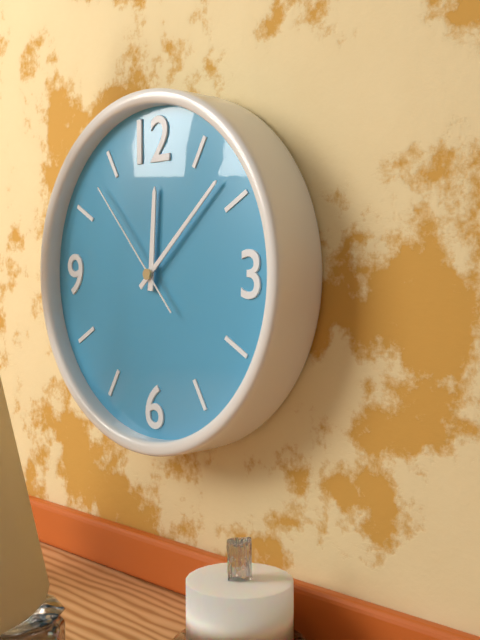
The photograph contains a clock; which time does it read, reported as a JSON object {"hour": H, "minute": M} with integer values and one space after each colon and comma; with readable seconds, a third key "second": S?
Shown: {"hour": 12, "minute": 8, "second": 53}
